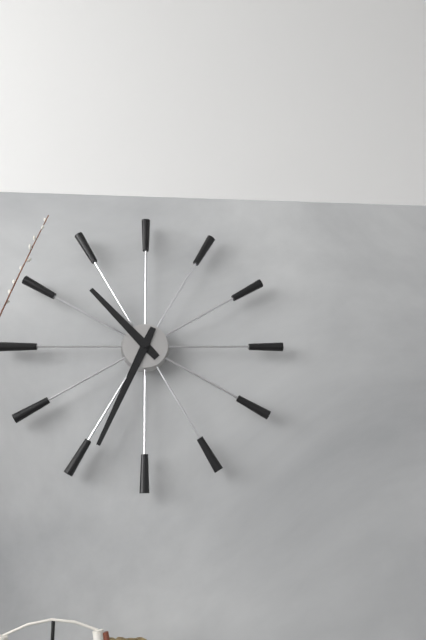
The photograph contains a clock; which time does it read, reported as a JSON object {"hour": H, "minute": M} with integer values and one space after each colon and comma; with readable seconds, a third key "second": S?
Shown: {"hour": 10, "minute": 34}
